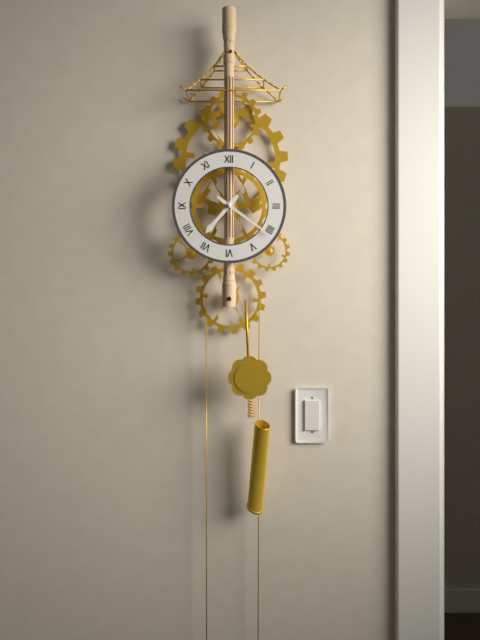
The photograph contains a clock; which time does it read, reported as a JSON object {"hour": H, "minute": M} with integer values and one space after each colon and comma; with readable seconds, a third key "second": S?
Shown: {"hour": 7, "minute": 21}
